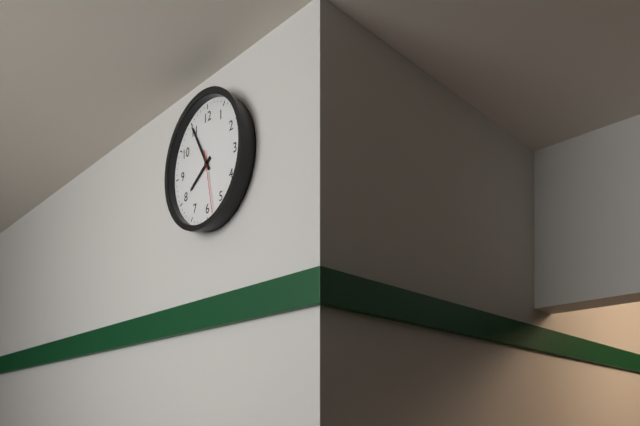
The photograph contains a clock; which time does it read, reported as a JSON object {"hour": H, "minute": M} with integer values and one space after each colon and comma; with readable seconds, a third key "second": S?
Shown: {"hour": 7, "minute": 55, "second": 28}
